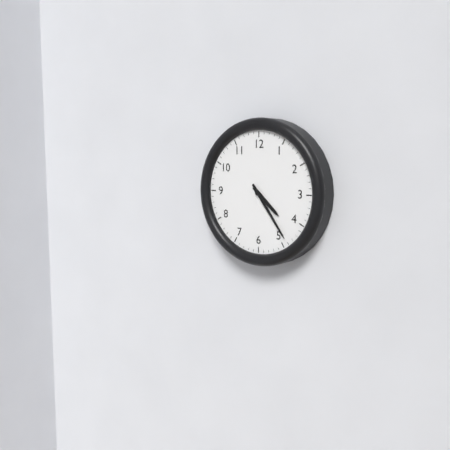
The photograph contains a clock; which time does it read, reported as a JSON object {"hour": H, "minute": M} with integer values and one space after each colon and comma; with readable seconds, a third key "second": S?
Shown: {"hour": 4, "minute": 24}
